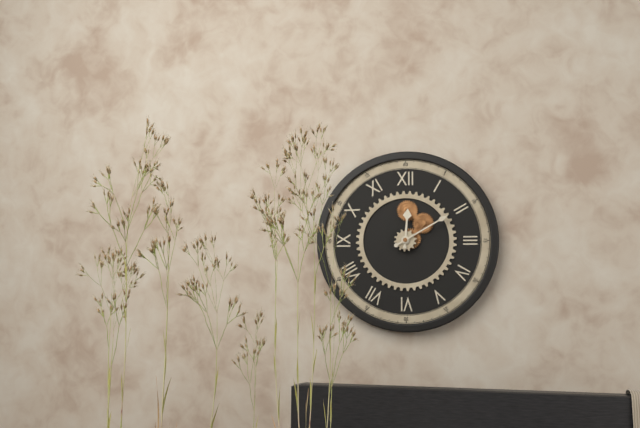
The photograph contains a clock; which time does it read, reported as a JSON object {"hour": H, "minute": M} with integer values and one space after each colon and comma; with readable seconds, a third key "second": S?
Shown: {"hour": 12, "minute": 10}
